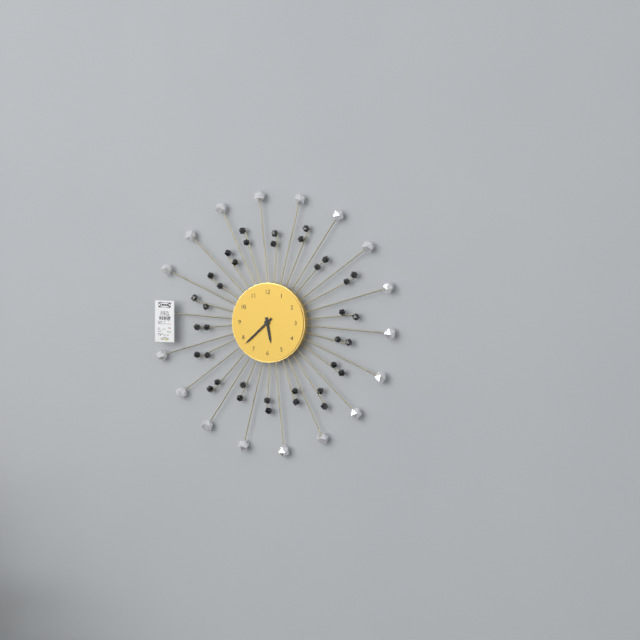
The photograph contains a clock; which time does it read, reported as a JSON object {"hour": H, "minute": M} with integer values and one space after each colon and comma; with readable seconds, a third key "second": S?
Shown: {"hour": 5, "minute": 38}
